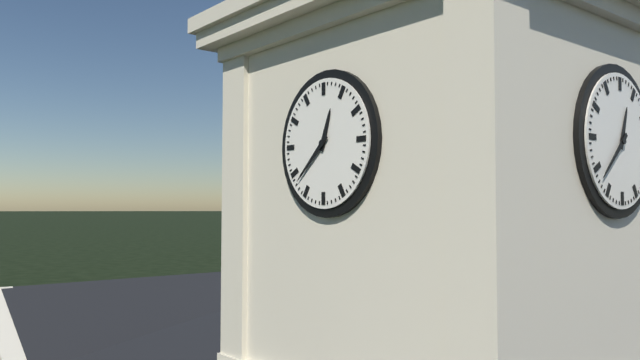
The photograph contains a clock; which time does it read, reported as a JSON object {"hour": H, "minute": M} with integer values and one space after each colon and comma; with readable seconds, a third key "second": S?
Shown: {"hour": 12, "minute": 38}
